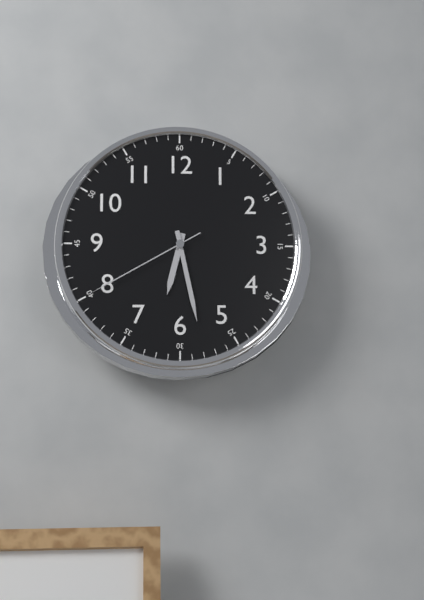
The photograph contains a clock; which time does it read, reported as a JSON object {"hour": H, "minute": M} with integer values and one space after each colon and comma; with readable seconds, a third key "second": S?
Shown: {"hour": 6, "minute": 28, "second": 40}
